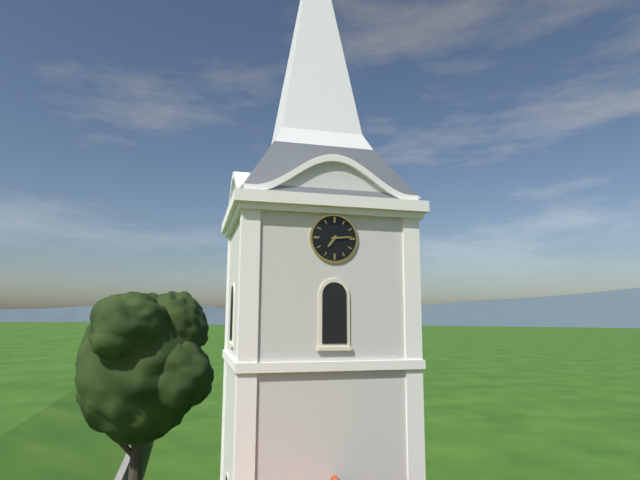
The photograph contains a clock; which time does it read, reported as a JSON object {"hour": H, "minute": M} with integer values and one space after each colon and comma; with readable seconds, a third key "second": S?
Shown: {"hour": 7, "minute": 14}
